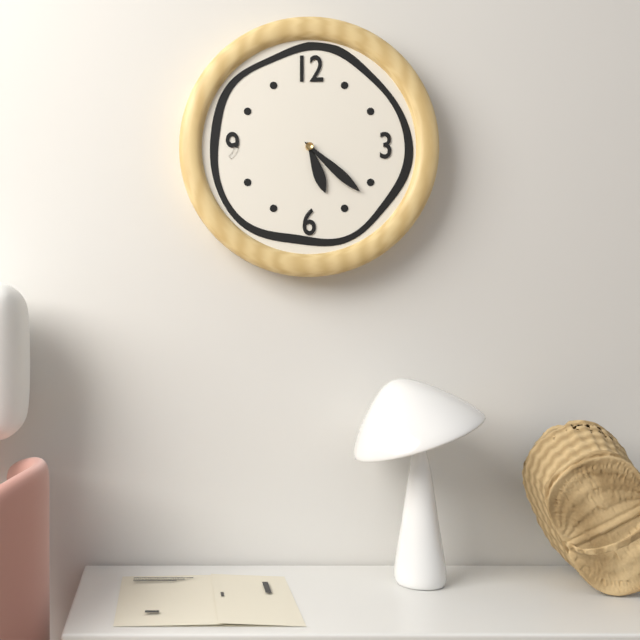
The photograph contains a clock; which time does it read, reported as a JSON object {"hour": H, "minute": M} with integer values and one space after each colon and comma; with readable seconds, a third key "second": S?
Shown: {"hour": 5, "minute": 22}
